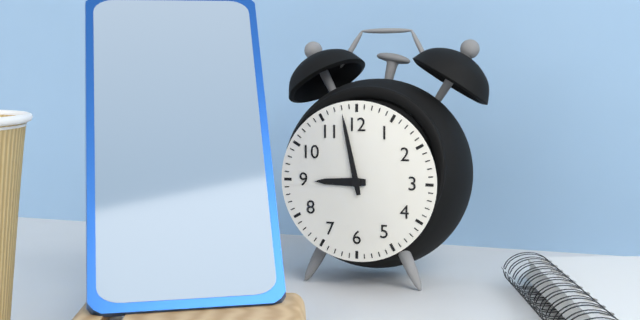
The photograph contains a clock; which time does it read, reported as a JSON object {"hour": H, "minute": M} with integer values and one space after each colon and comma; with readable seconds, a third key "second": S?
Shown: {"hour": 8, "minute": 58}
